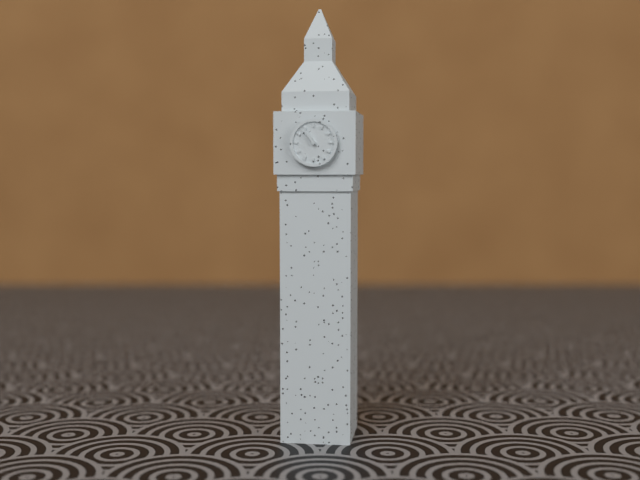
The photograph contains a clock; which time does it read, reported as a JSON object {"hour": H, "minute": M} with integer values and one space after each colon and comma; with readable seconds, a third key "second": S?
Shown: {"hour": 10, "minute": 54}
